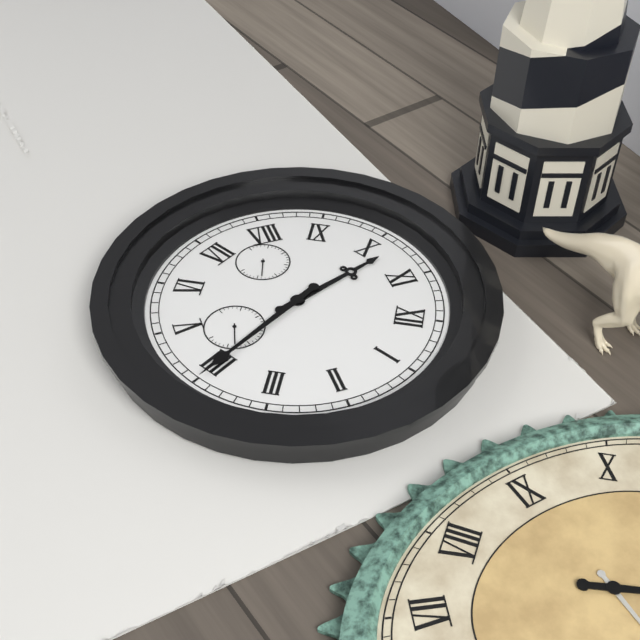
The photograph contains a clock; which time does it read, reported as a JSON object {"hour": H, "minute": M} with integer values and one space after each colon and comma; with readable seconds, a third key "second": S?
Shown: {"hour": 10, "minute": 20}
